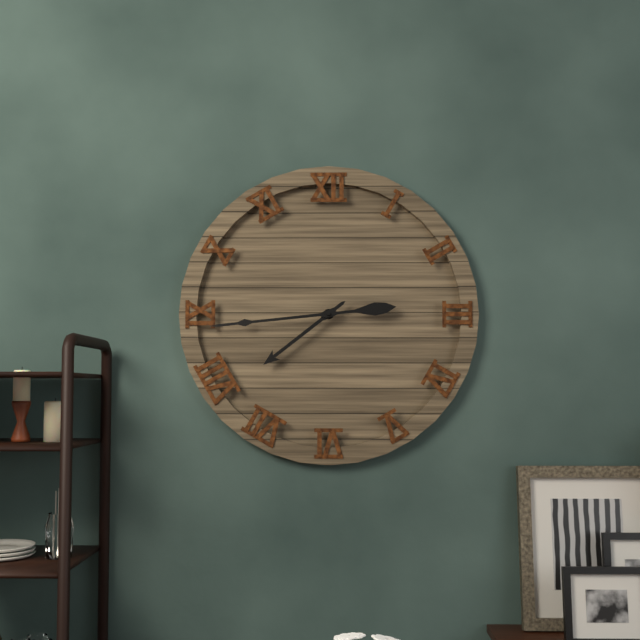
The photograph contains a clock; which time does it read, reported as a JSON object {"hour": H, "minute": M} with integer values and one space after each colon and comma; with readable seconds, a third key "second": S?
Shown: {"hour": 7, "minute": 44}
